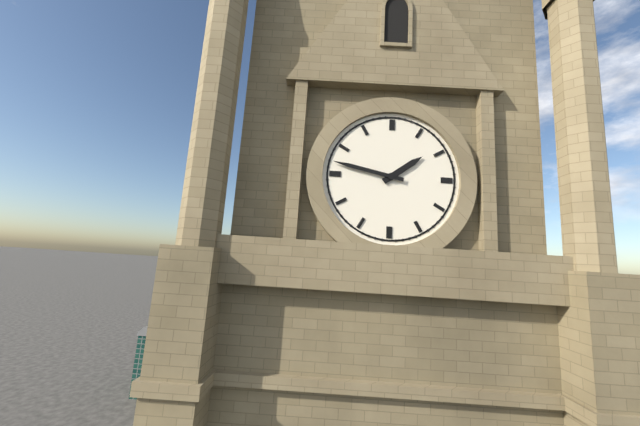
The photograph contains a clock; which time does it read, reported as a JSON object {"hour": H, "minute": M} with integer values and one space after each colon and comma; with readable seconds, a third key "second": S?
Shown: {"hour": 1, "minute": 47}
